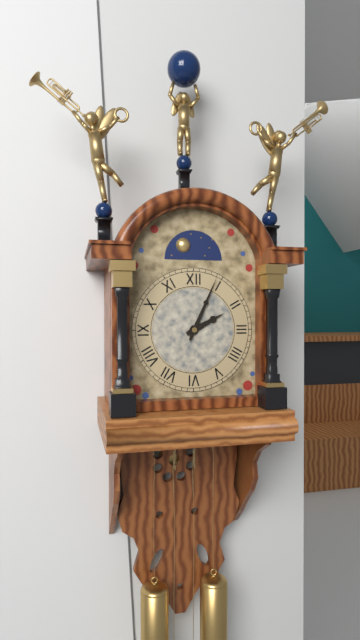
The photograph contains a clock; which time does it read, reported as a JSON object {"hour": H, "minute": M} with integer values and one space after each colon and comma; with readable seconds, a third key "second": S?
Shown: {"hour": 2, "minute": 4}
